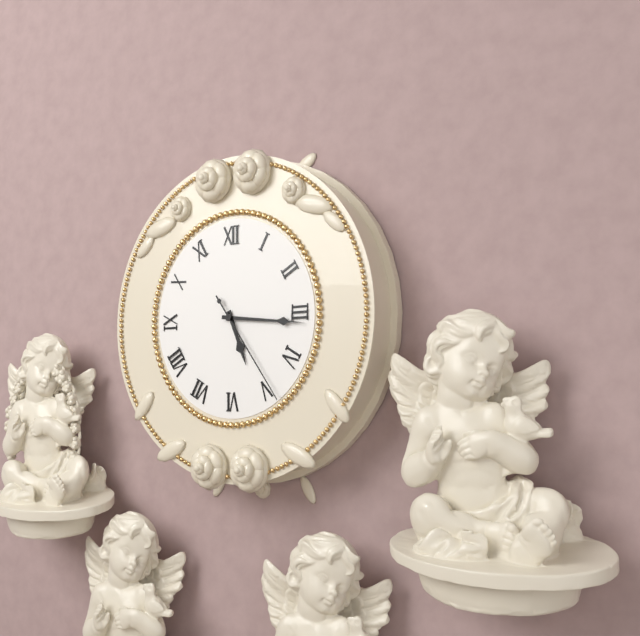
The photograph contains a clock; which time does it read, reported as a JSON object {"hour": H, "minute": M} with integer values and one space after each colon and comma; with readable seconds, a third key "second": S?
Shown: {"hour": 5, "minute": 16, "second": 24}
